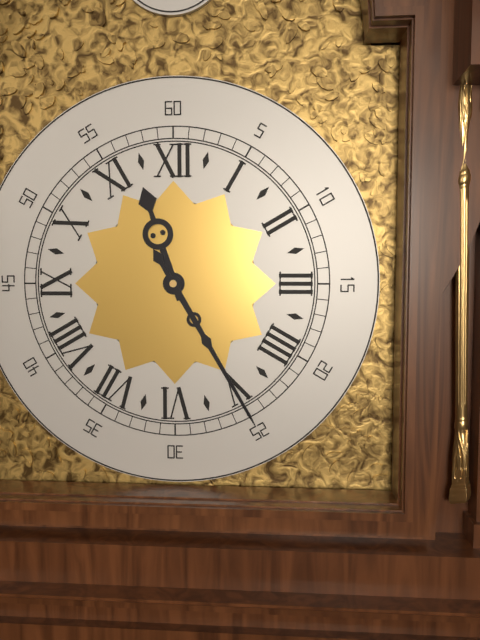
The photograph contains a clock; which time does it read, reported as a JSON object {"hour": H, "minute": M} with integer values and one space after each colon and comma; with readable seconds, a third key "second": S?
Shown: {"hour": 11, "minute": 25}
